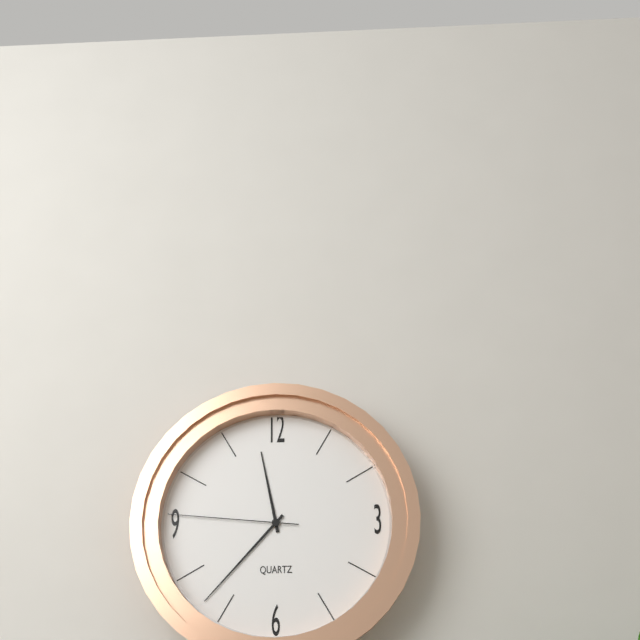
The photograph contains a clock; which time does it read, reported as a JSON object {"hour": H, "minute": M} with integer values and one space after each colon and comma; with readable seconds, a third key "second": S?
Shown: {"hour": 11, "minute": 37, "second": 46}
